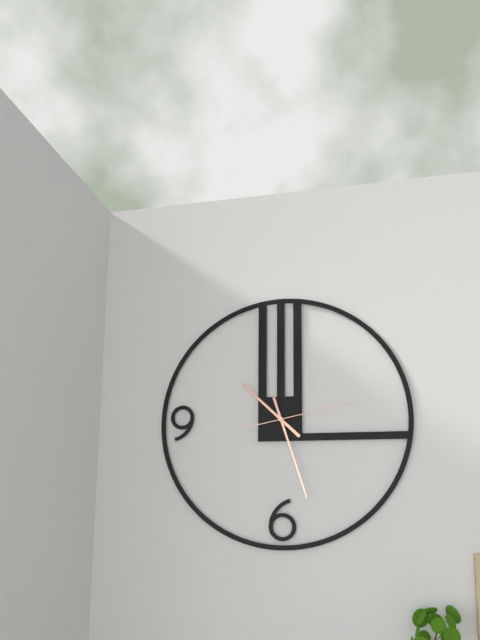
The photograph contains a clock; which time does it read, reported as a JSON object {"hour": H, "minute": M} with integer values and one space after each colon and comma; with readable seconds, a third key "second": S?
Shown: {"hour": 10, "minute": 27, "second": 13}
